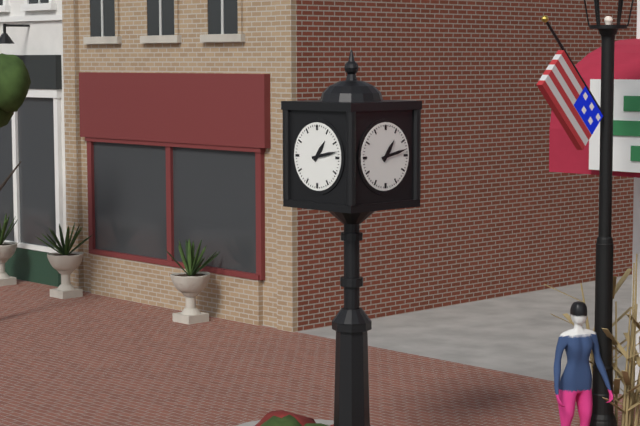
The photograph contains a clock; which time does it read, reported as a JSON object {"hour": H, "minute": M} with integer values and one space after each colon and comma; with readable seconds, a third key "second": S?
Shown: {"hour": 1, "minute": 13}
